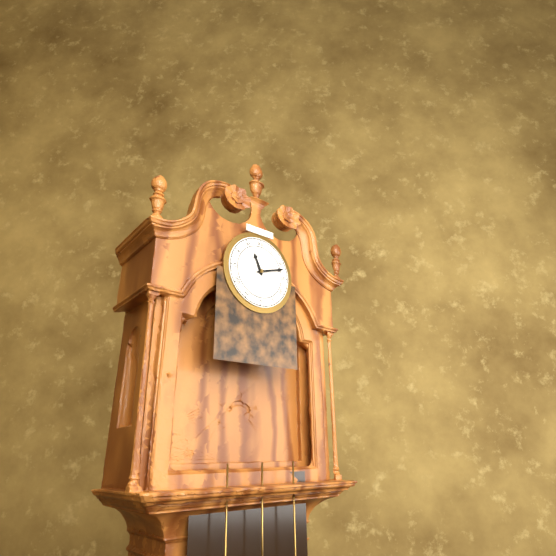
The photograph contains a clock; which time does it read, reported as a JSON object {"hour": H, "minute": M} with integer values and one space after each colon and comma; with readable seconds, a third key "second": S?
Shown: {"hour": 11, "minute": 12}
